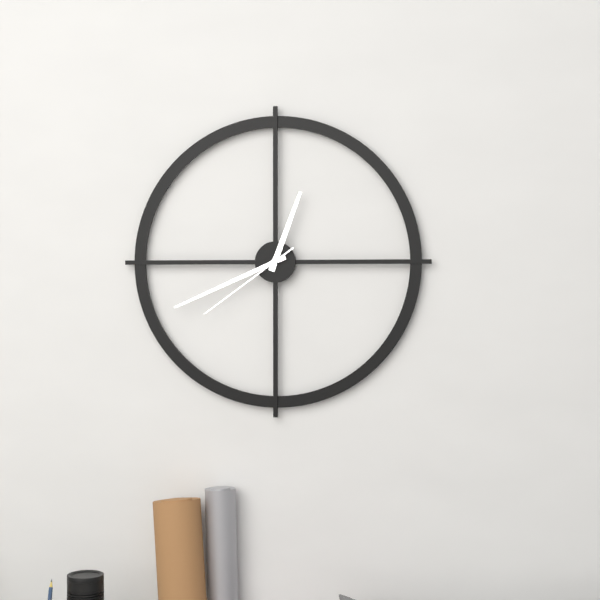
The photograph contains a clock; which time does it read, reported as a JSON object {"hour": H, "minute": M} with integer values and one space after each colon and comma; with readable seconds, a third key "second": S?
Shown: {"hour": 12, "minute": 41, "second": 39}
